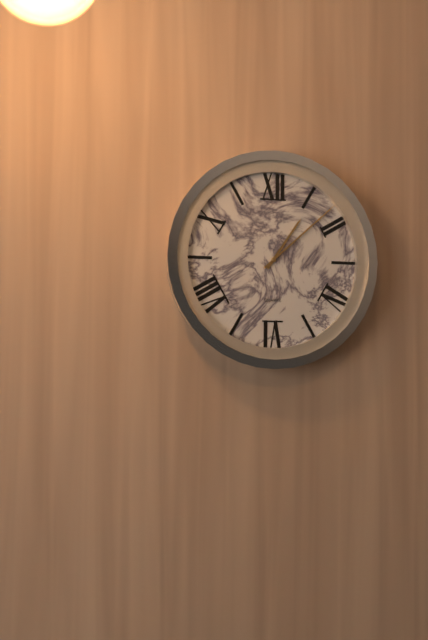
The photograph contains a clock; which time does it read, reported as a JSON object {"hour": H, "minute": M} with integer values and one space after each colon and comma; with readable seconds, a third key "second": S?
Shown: {"hour": 1, "minute": 8}
